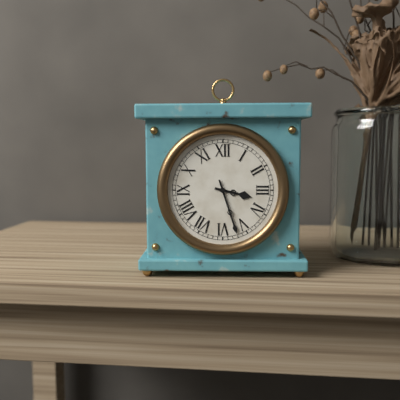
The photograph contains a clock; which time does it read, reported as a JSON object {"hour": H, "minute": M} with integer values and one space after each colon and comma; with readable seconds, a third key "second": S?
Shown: {"hour": 3, "minute": 27}
